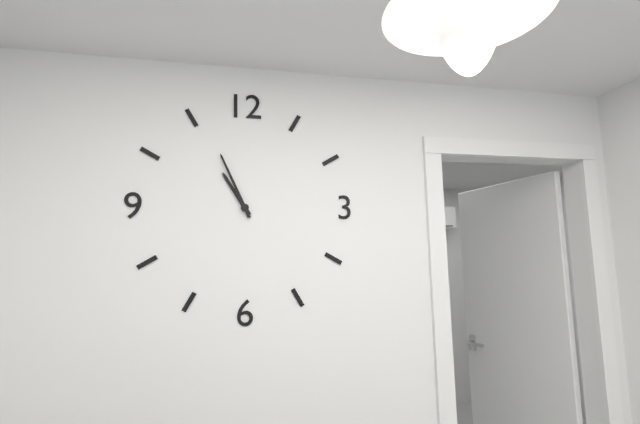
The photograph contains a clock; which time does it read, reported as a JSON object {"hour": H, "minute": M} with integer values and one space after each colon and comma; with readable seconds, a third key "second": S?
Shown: {"hour": 10, "minute": 56}
